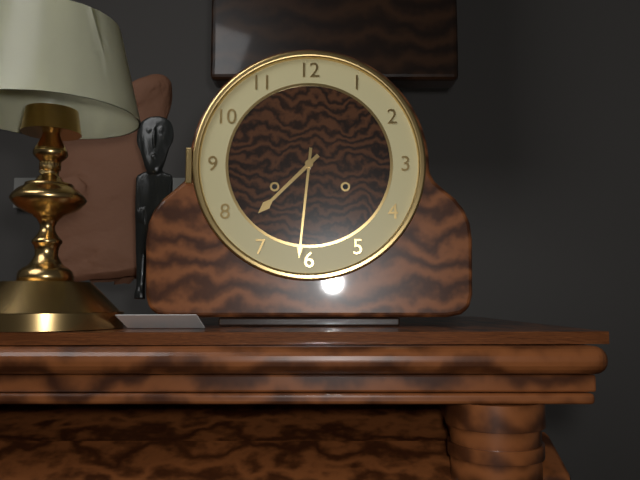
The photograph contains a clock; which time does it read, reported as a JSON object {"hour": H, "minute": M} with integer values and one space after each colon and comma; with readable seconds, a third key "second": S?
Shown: {"hour": 7, "minute": 31}
